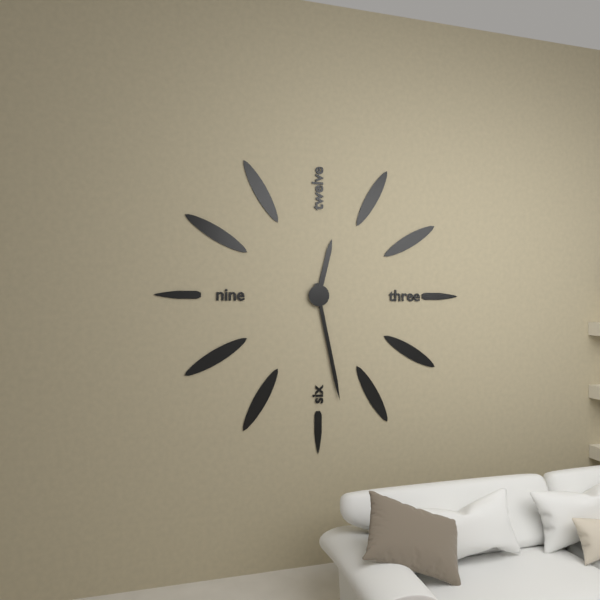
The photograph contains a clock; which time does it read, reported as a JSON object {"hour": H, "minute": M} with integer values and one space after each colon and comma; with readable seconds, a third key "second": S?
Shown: {"hour": 12, "minute": 28}
